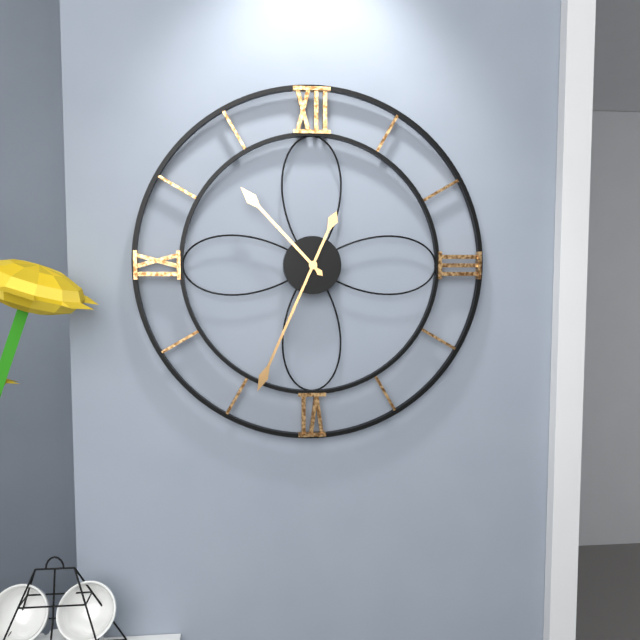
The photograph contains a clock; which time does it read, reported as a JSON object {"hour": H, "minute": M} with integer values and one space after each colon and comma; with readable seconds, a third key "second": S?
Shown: {"hour": 10, "minute": 34}
